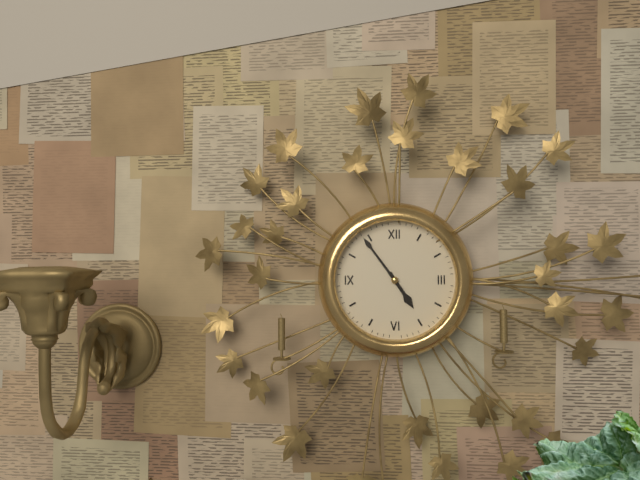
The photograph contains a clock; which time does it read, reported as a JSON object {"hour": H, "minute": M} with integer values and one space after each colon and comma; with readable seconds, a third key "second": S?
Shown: {"hour": 4, "minute": 54}
